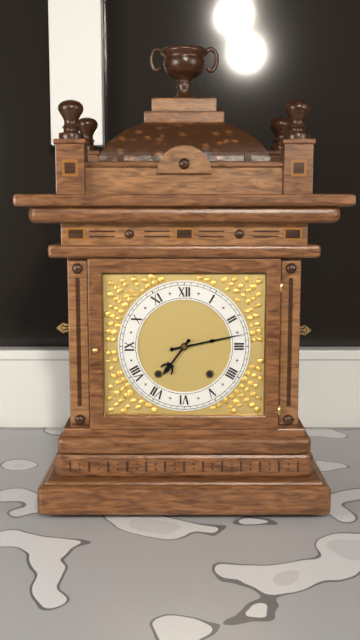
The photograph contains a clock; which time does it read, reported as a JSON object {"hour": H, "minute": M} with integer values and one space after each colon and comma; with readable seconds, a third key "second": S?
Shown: {"hour": 7, "minute": 13}
